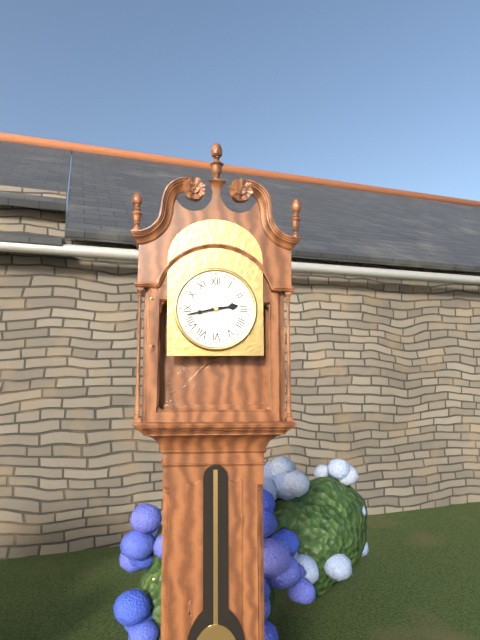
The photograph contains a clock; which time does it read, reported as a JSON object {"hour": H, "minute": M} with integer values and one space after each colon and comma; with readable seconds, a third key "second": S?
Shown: {"hour": 2, "minute": 43}
